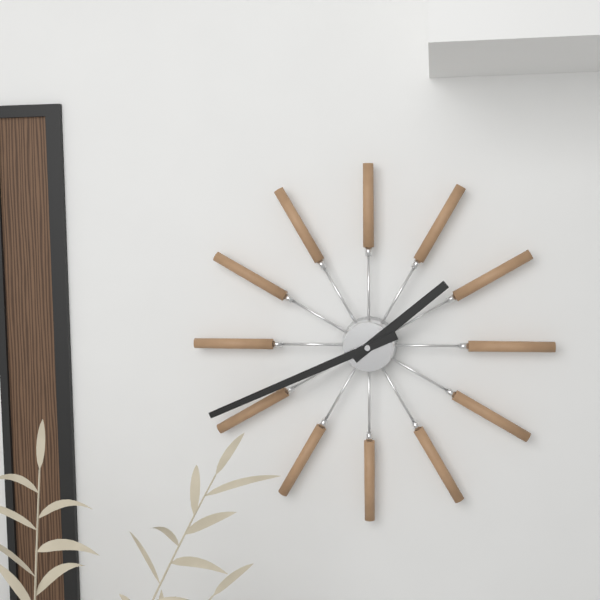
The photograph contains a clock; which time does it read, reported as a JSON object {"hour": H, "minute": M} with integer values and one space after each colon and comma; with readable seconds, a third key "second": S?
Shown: {"hour": 1, "minute": 41}
